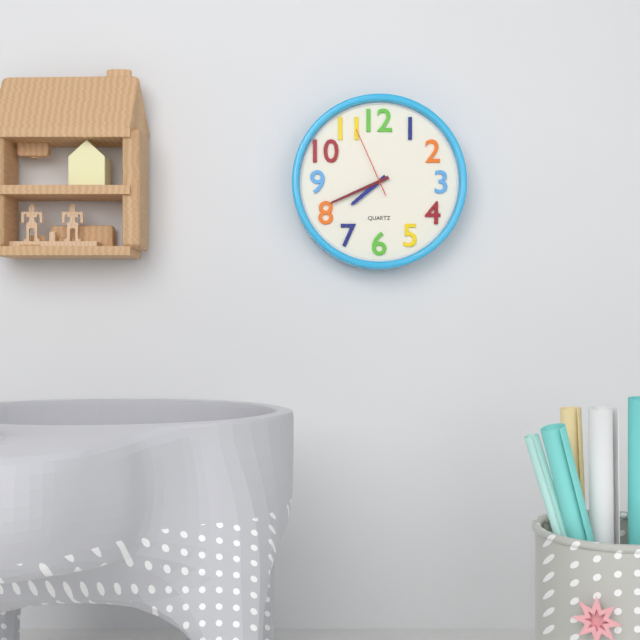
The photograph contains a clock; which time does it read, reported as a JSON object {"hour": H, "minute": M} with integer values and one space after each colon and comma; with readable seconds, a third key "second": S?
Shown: {"hour": 7, "minute": 41, "second": 56}
